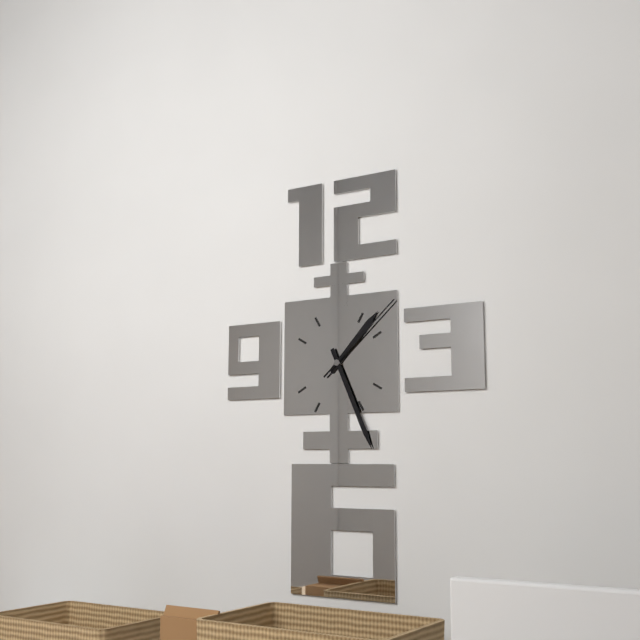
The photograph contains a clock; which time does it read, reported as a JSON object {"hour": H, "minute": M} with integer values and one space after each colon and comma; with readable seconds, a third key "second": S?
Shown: {"hour": 1, "minute": 26, "second": 8}
